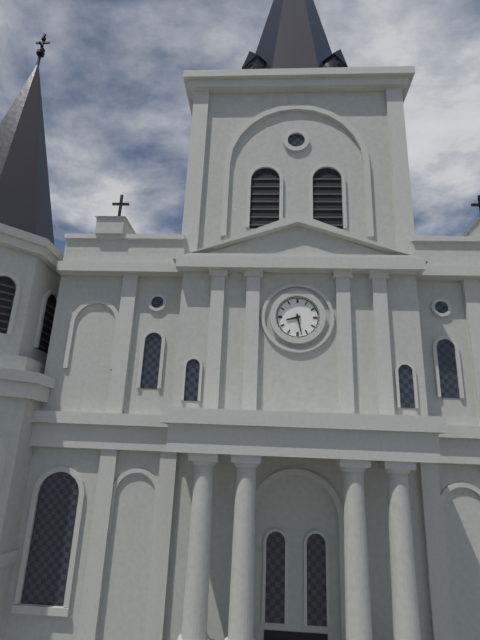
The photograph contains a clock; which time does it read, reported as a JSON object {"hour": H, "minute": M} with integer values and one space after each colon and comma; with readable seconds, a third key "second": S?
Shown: {"hour": 8, "minute": 28}
